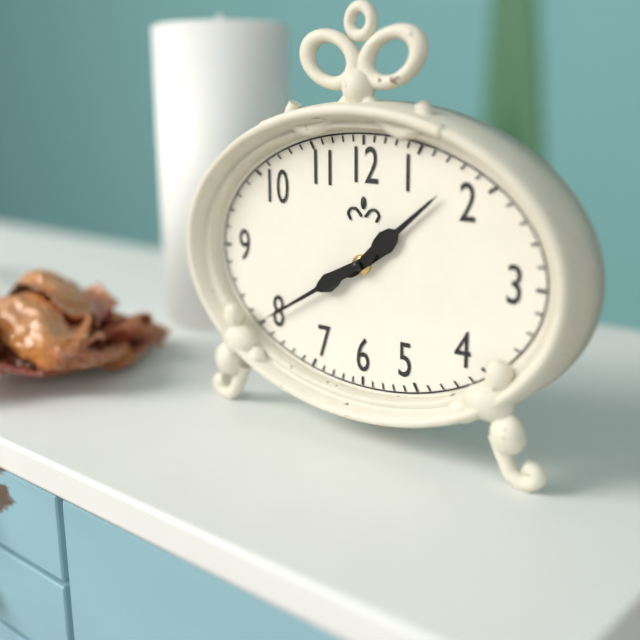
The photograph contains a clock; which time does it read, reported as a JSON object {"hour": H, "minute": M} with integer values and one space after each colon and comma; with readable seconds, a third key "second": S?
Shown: {"hour": 1, "minute": 40}
